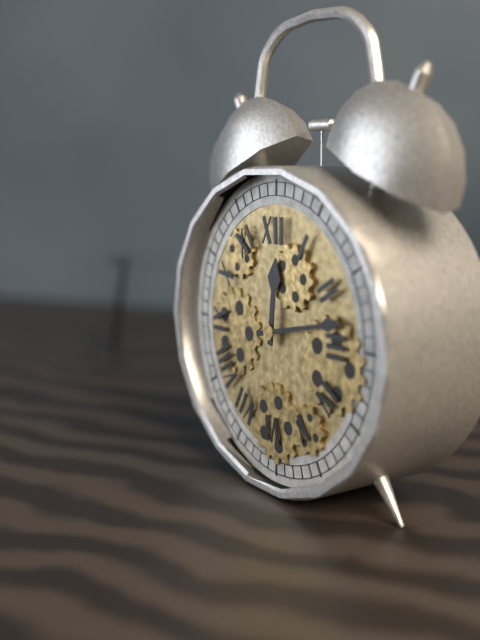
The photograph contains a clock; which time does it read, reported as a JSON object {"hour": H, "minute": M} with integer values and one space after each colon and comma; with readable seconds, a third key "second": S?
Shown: {"hour": 12, "minute": 13}
